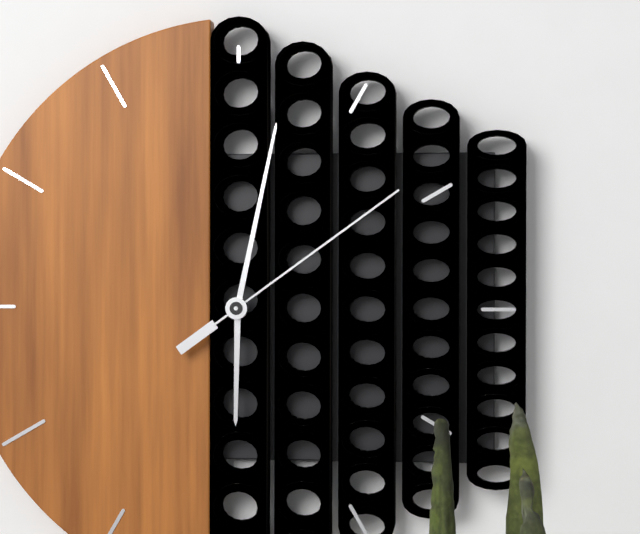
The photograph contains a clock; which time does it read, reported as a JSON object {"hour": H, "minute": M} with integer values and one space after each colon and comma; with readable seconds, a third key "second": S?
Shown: {"hour": 6, "minute": 2, "second": 9}
